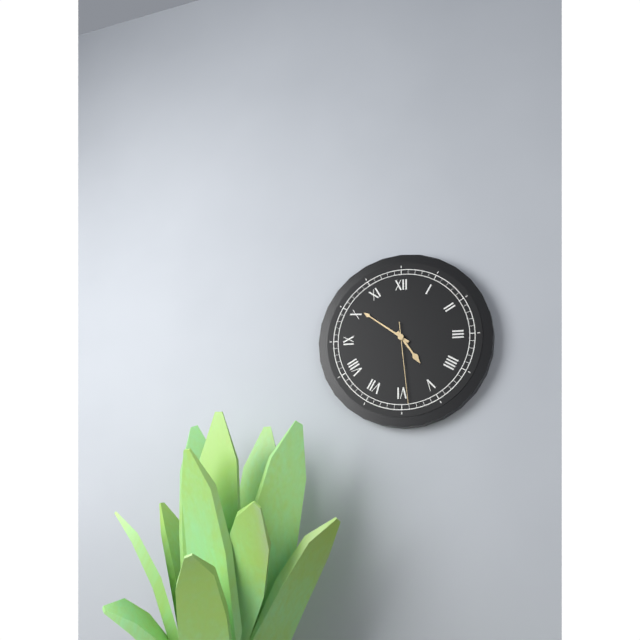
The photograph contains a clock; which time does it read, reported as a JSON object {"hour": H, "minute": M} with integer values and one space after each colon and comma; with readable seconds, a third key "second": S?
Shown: {"hour": 4, "minute": 51, "second": 29}
